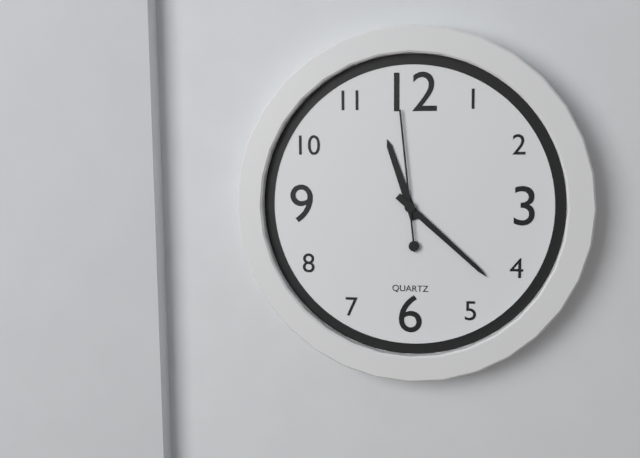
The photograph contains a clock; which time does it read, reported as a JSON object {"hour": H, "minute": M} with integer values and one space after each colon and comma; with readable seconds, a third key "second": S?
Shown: {"hour": 11, "minute": 22, "second": 59}
